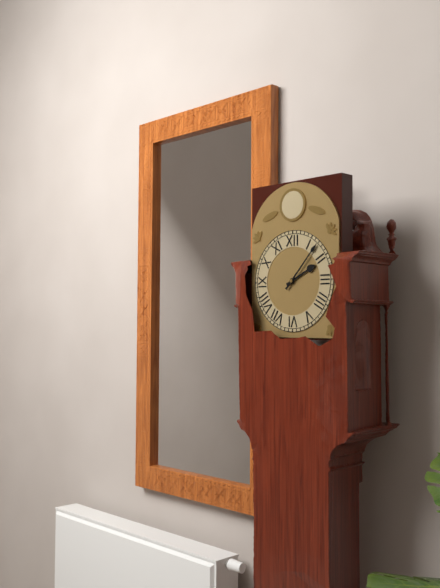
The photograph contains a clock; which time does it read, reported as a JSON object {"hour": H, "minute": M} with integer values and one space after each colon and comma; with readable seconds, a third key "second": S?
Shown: {"hour": 2, "minute": 7}
